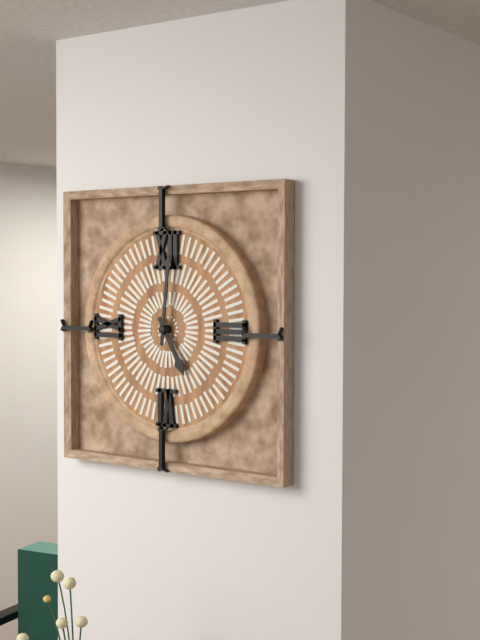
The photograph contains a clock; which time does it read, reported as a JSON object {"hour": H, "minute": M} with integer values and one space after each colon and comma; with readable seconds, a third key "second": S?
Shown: {"hour": 5, "minute": 1}
